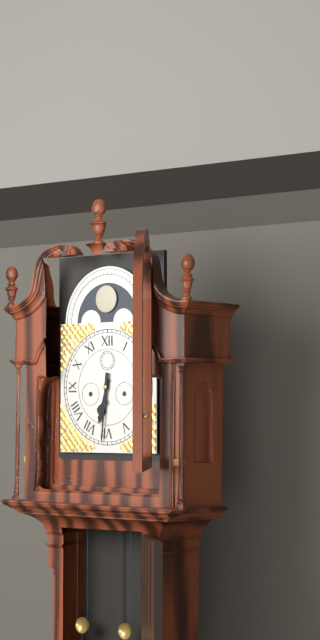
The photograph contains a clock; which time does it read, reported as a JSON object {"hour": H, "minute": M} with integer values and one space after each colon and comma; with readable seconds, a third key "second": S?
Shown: {"hour": 6, "minute": 31}
